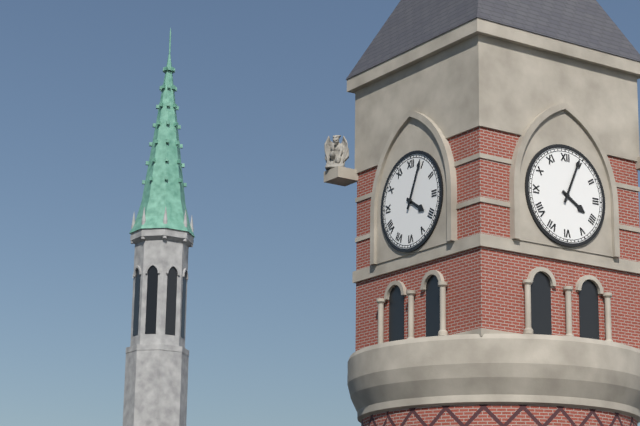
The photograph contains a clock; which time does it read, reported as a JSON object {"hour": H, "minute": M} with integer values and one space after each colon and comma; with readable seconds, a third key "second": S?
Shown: {"hour": 4, "minute": 4}
